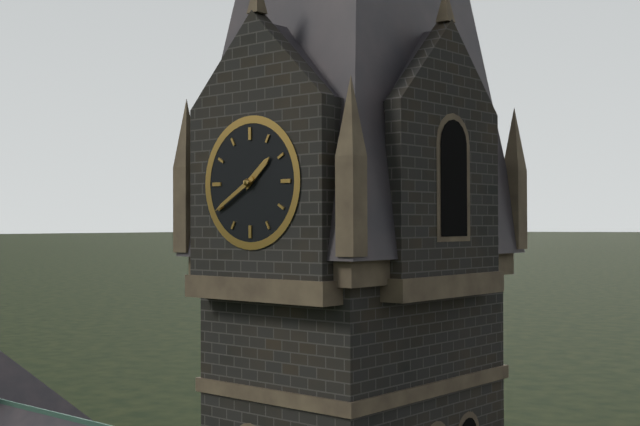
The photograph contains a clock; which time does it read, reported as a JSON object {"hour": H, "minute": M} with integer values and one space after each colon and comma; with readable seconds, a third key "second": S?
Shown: {"hour": 1, "minute": 40}
